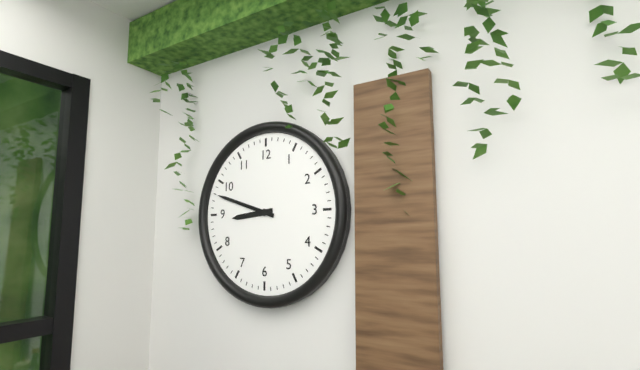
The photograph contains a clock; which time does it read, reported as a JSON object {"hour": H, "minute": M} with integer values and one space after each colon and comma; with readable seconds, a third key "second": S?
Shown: {"hour": 8, "minute": 48}
